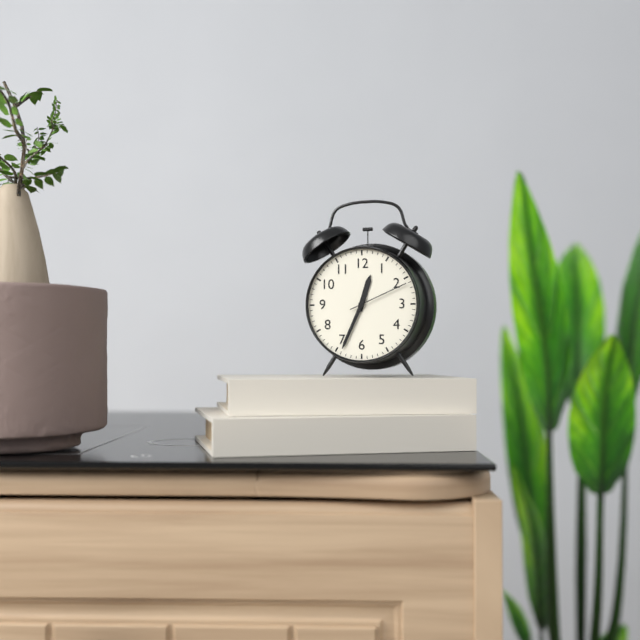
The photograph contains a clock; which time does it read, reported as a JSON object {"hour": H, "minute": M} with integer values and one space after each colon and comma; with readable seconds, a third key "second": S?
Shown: {"hour": 12, "minute": 34, "second": 11}
